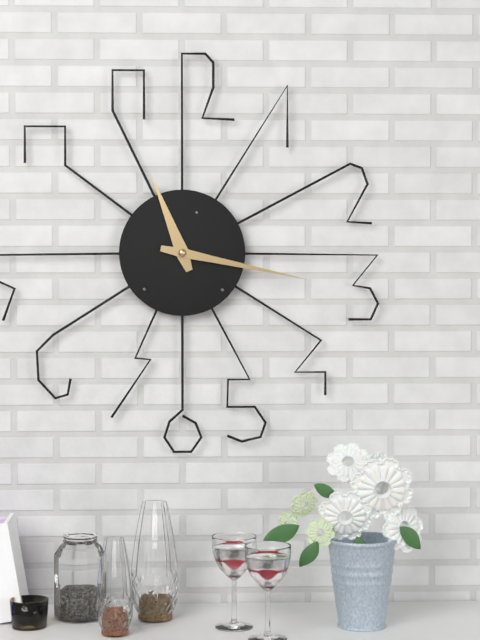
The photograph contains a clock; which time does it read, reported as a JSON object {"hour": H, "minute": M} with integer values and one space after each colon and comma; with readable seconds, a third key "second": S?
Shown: {"hour": 11, "minute": 17}
